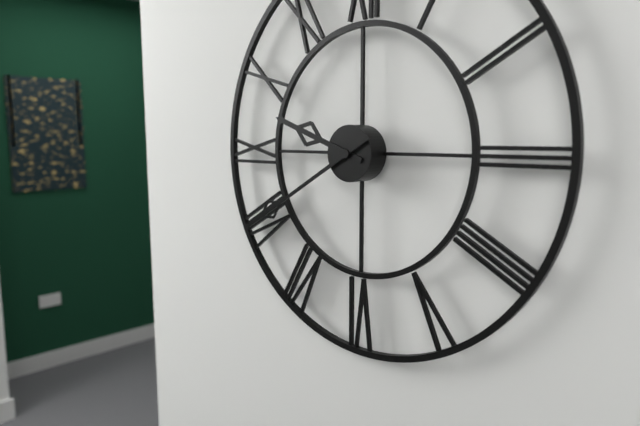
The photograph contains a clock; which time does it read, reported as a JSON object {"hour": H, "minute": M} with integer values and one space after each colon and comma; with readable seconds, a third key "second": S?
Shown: {"hour": 9, "minute": 40}
